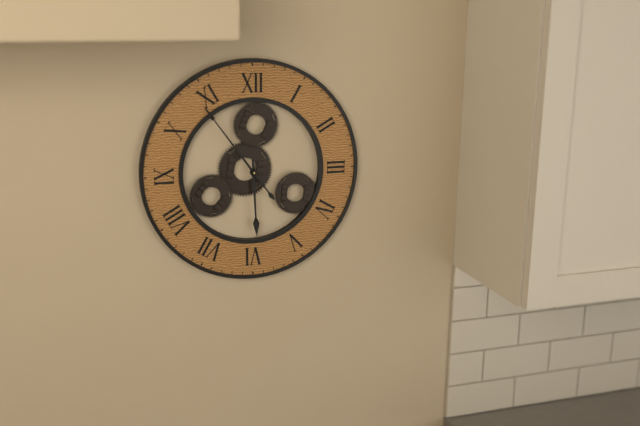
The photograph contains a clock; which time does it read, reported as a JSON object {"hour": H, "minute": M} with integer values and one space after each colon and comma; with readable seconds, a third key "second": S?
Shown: {"hour": 5, "minute": 54}
